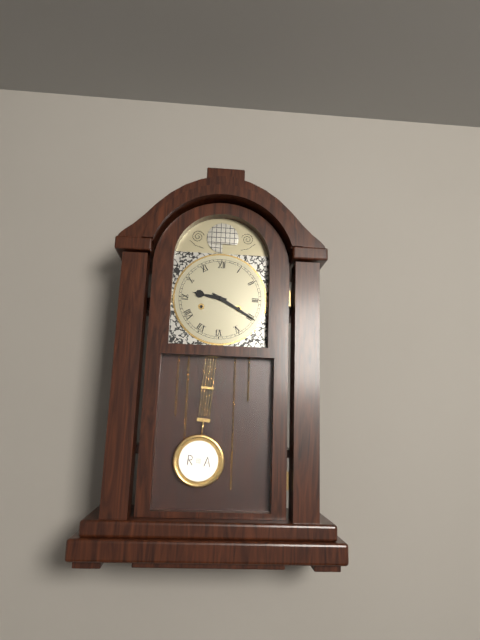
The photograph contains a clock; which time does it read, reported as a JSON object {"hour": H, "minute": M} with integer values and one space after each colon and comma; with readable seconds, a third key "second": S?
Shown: {"hour": 9, "minute": 20}
